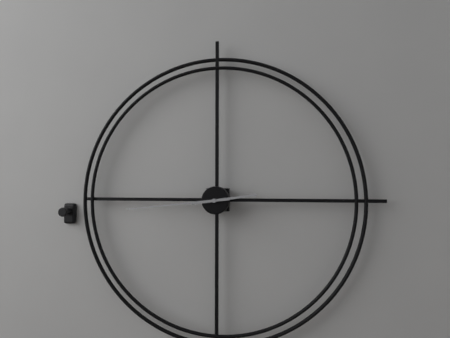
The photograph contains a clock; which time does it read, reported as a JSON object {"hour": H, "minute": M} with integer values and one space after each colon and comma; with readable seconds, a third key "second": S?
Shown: {"hour": 2, "minute": 44}
